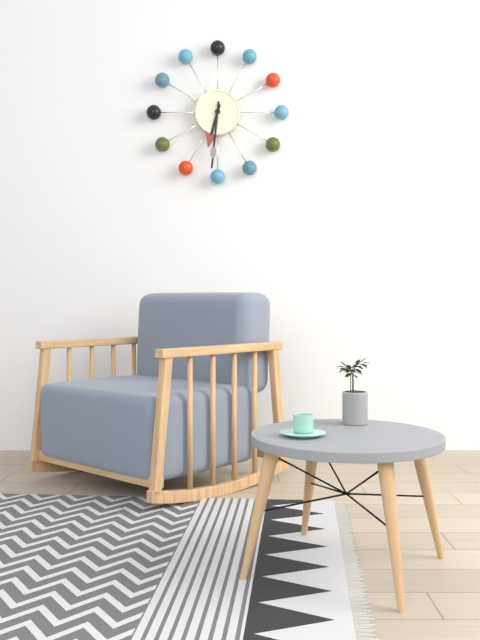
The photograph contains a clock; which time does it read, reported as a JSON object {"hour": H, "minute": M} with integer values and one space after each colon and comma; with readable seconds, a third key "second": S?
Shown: {"hour": 6, "minute": 31}
